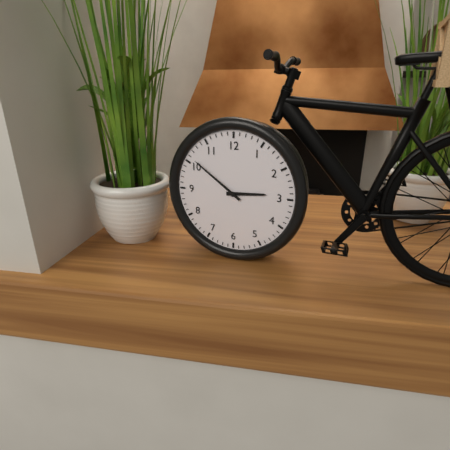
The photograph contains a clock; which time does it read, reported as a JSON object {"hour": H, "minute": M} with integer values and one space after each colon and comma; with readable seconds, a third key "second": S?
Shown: {"hour": 2, "minute": 51}
